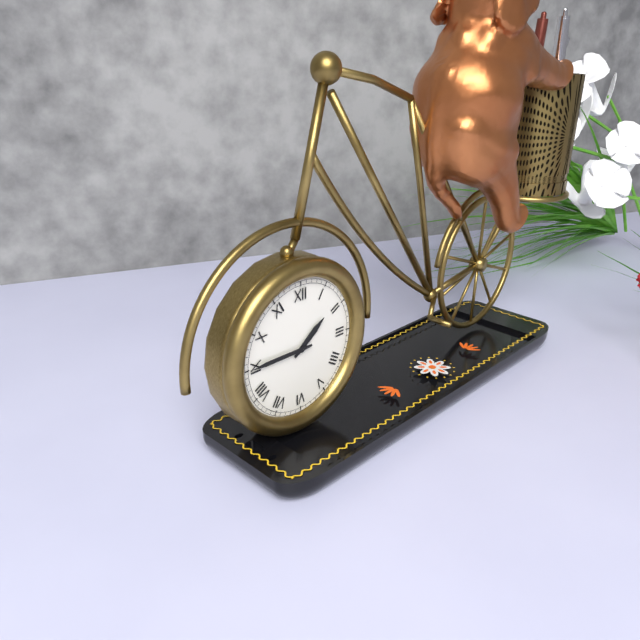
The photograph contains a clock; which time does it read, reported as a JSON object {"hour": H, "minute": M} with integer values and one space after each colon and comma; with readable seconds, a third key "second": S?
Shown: {"hour": 1, "minute": 45}
